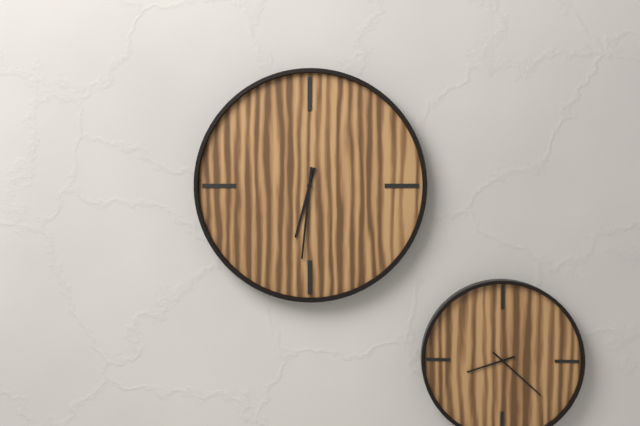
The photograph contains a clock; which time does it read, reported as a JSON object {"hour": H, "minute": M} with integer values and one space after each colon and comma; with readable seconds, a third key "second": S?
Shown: {"hour": 6, "minute": 31}
